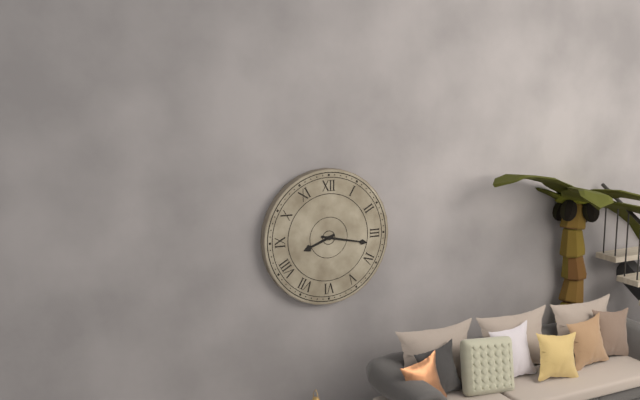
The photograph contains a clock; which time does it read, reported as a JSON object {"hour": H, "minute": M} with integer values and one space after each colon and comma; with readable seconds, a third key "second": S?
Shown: {"hour": 8, "minute": 17}
